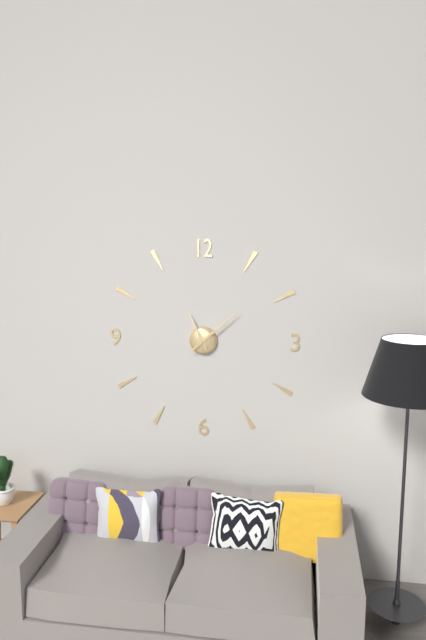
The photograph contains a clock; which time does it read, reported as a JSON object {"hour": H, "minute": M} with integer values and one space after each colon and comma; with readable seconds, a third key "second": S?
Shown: {"hour": 11, "minute": 8}
